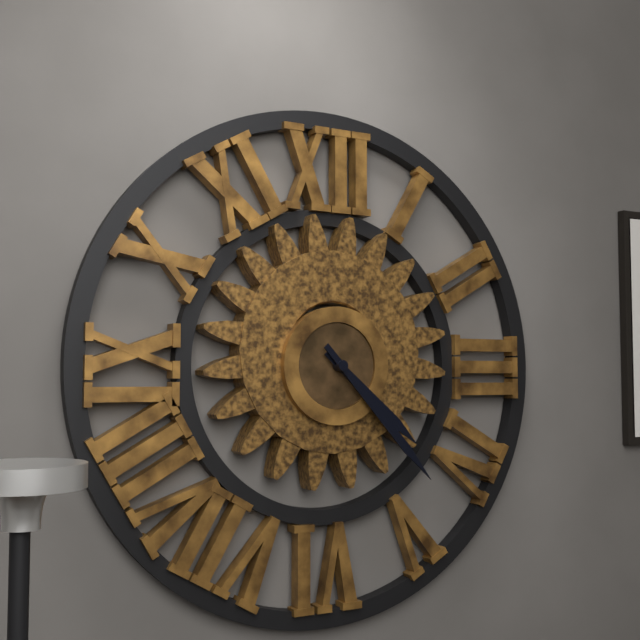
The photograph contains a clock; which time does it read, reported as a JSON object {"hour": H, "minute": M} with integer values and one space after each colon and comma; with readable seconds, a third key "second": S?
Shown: {"hour": 4, "minute": 23}
